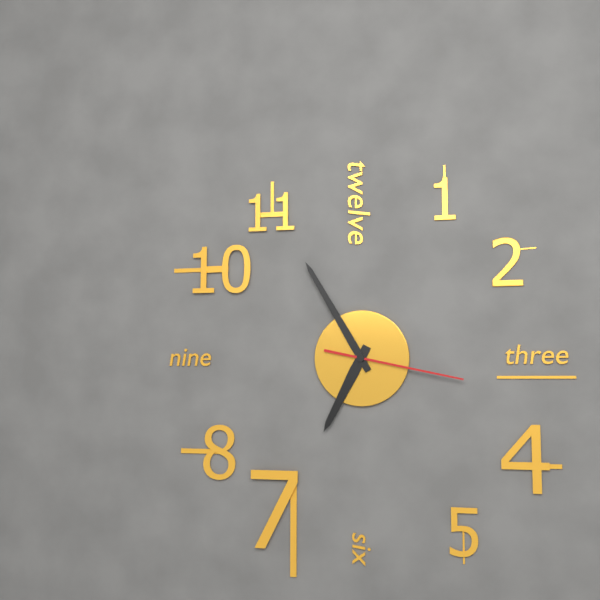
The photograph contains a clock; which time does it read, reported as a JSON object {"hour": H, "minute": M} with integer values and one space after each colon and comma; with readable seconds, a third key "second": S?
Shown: {"hour": 6, "minute": 55, "second": 17}
